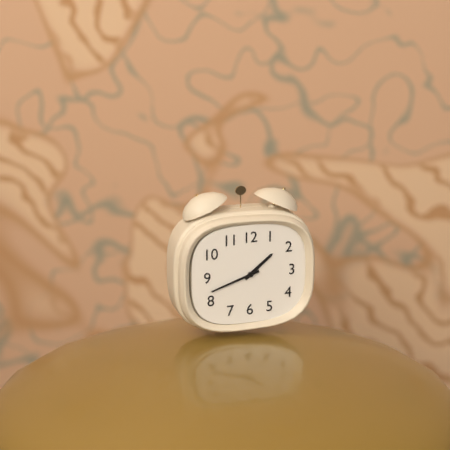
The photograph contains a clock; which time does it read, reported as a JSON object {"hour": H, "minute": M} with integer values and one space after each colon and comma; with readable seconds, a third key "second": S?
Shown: {"hour": 1, "minute": 42}
